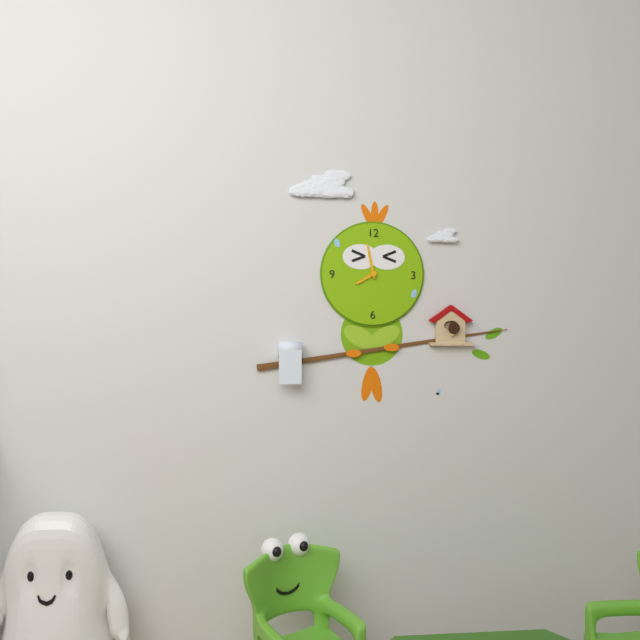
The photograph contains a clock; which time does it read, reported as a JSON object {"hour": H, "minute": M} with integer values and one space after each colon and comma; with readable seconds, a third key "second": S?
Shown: {"hour": 7, "minute": 58}
